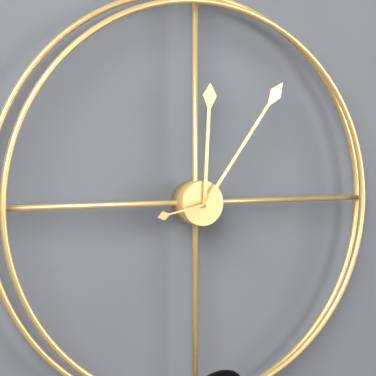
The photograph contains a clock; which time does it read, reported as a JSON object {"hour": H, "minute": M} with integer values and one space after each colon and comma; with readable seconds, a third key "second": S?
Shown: {"hour": 12, "minute": 6, "second": 43}
